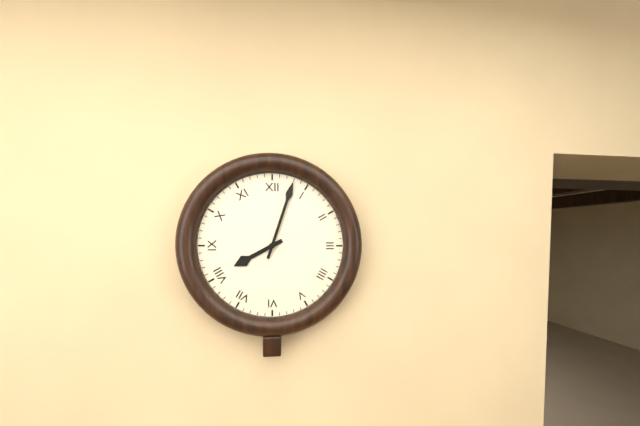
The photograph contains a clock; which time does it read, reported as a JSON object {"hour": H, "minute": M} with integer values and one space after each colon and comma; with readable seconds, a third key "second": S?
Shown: {"hour": 8, "minute": 3}
